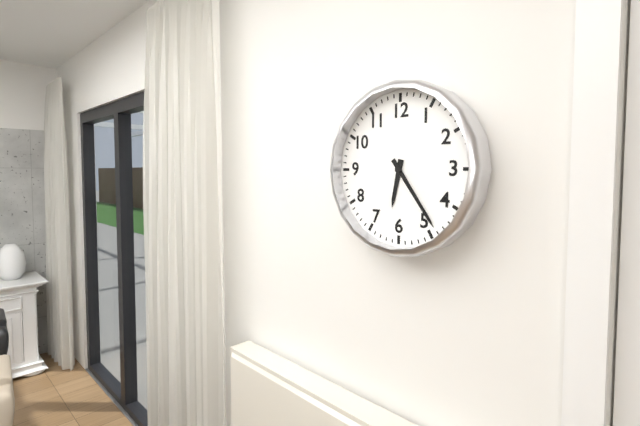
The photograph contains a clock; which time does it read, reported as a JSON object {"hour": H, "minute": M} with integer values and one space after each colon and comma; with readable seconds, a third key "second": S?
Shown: {"hour": 6, "minute": 24}
